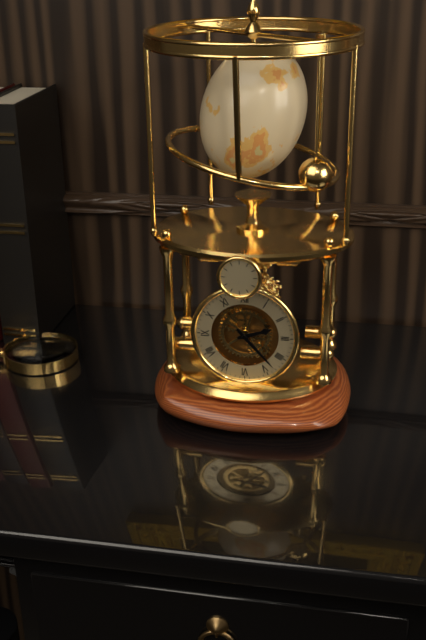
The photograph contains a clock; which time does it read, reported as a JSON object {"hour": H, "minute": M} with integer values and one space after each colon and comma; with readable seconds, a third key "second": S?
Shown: {"hour": 2, "minute": 23}
